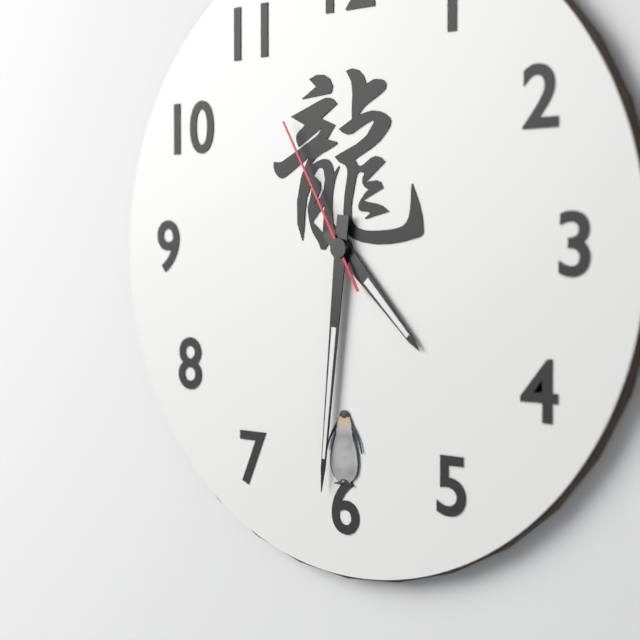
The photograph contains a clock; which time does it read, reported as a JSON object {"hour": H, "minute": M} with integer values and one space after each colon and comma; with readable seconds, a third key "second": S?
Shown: {"hour": 4, "minute": 31, "second": 55}
